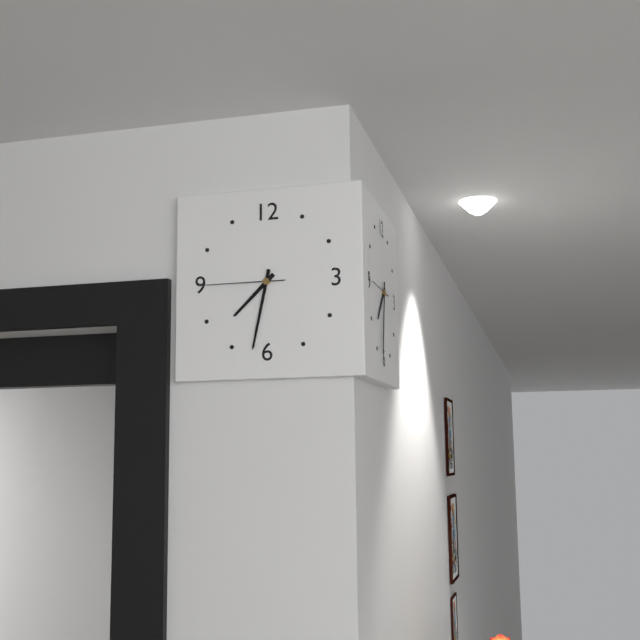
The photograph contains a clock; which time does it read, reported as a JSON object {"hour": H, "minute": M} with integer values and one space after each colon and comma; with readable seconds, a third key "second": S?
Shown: {"hour": 7, "minute": 32, "second": 45}
